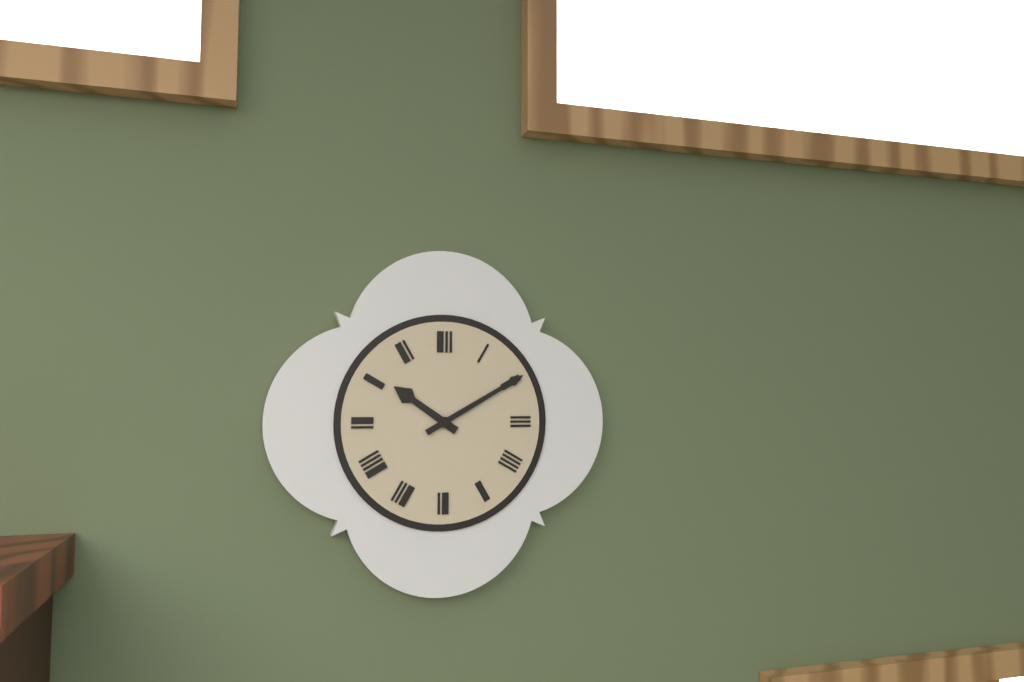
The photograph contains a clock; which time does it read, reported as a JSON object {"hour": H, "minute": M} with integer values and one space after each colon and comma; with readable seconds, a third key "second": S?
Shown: {"hour": 10, "minute": 10}
